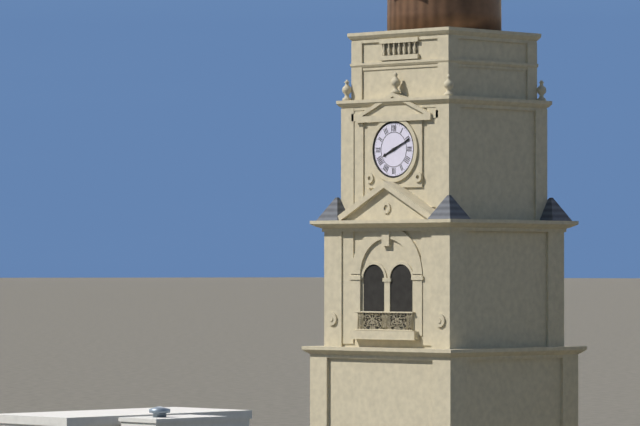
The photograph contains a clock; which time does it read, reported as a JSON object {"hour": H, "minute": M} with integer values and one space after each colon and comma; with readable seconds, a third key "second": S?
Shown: {"hour": 8, "minute": 11}
